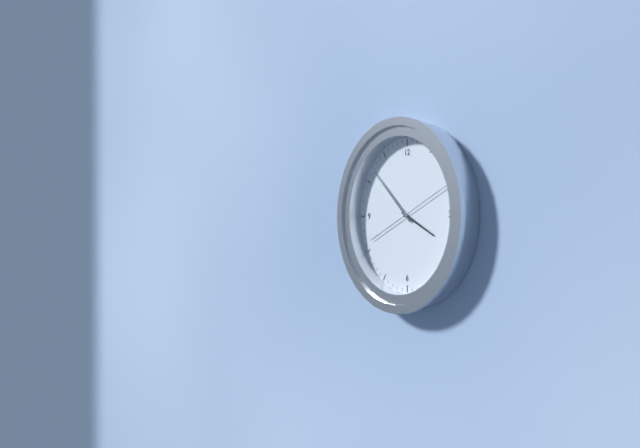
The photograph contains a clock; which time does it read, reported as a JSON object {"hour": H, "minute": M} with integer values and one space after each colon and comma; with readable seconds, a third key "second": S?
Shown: {"hour": 3, "minute": 52, "second": 11}
